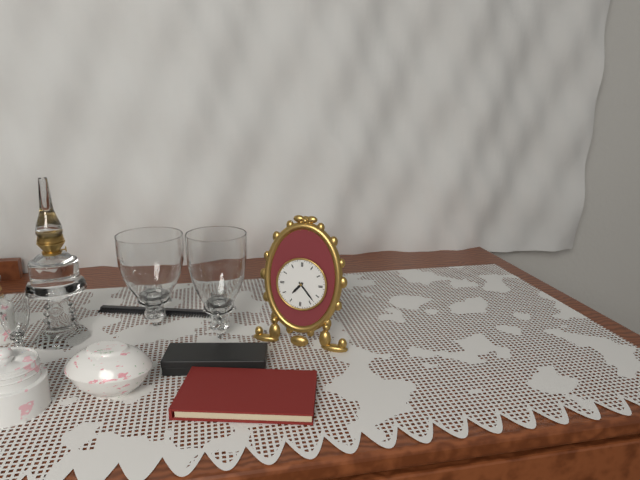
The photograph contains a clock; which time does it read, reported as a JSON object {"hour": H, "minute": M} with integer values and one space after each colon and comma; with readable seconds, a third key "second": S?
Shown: {"hour": 7, "minute": 23}
